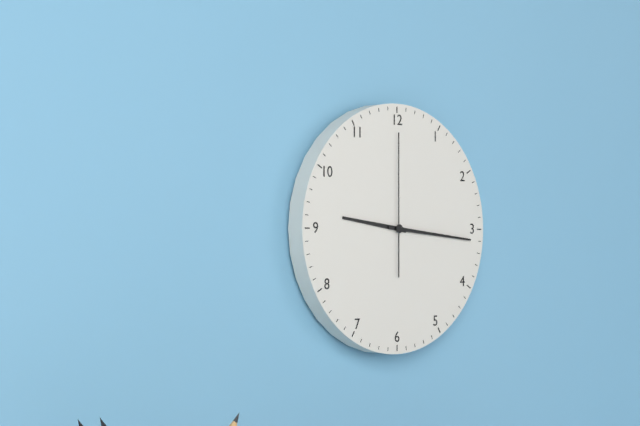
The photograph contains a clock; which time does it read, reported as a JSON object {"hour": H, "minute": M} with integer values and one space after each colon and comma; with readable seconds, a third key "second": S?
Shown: {"hour": 9, "minute": 16, "second": 0}
